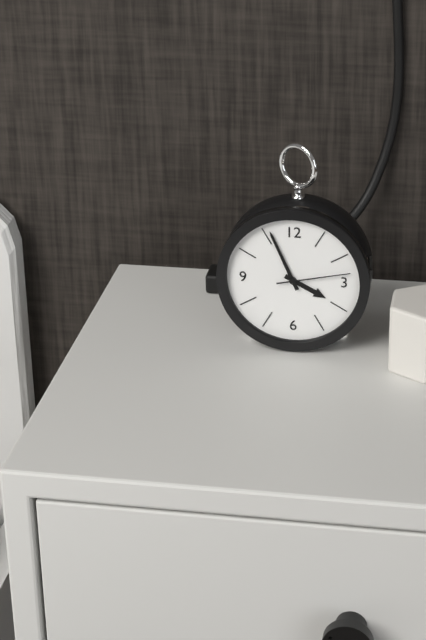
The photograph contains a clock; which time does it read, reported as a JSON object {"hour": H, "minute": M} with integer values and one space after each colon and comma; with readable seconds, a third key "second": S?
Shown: {"hour": 3, "minute": 56, "second": 13}
